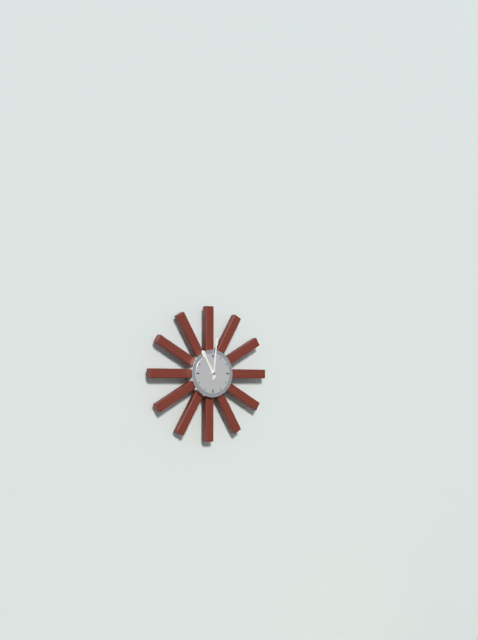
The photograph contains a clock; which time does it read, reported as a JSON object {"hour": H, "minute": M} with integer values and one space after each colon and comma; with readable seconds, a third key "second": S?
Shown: {"hour": 11, "minute": 1}
